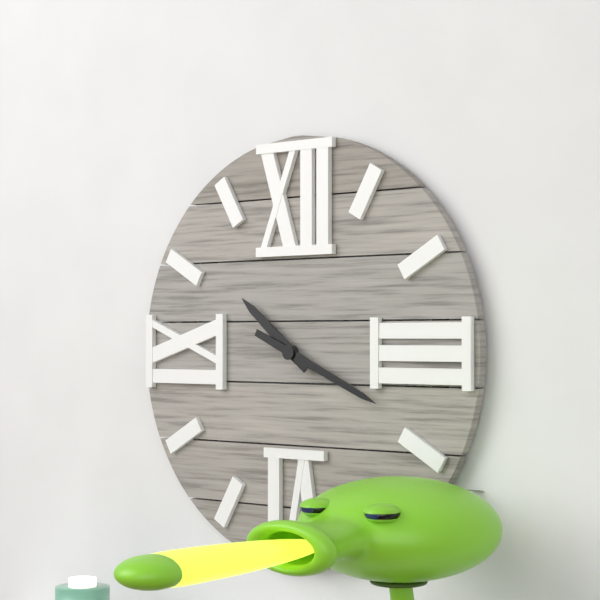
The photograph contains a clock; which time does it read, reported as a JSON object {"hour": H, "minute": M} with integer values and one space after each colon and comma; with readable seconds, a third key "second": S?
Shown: {"hour": 10, "minute": 19}
